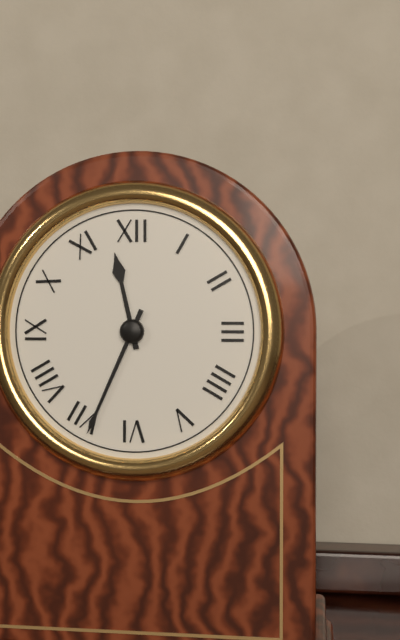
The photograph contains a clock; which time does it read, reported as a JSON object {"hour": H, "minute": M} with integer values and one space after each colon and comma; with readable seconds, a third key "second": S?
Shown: {"hour": 11, "minute": 34}
